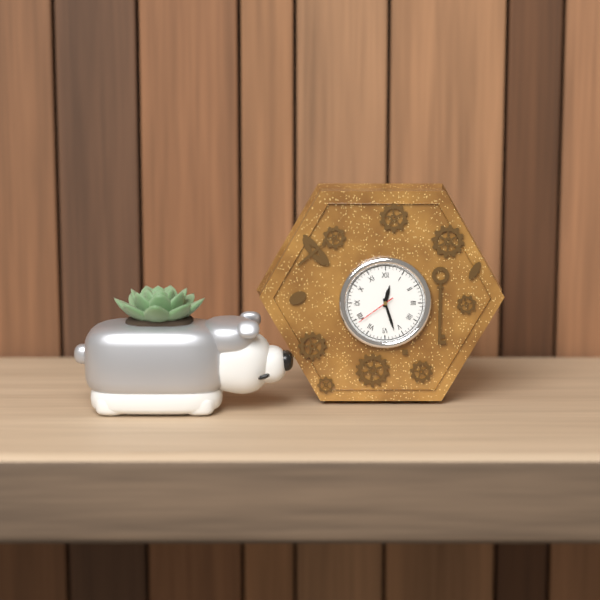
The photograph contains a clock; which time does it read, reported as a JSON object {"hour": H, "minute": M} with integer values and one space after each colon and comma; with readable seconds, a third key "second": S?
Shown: {"hour": 12, "minute": 27}
